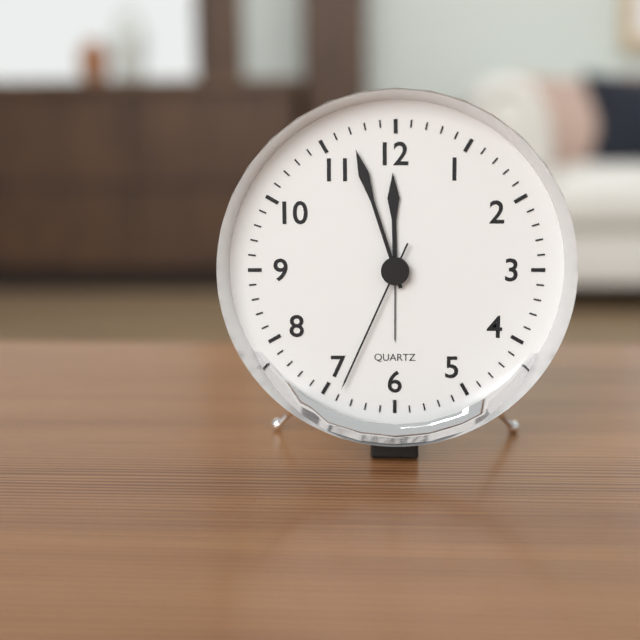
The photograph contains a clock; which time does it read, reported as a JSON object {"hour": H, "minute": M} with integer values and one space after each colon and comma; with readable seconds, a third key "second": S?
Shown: {"hour": 11, "minute": 57, "second": 34}
